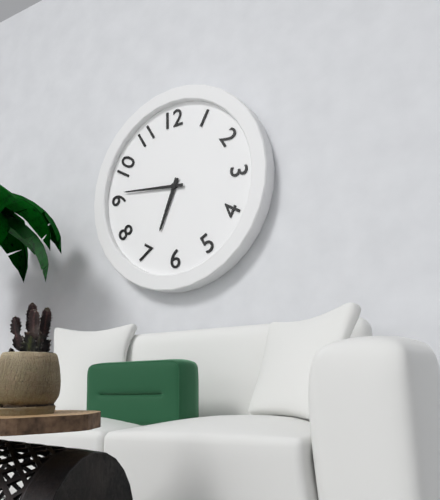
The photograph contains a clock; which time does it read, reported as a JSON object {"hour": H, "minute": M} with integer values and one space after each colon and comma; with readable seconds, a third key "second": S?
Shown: {"hour": 6, "minute": 46}
